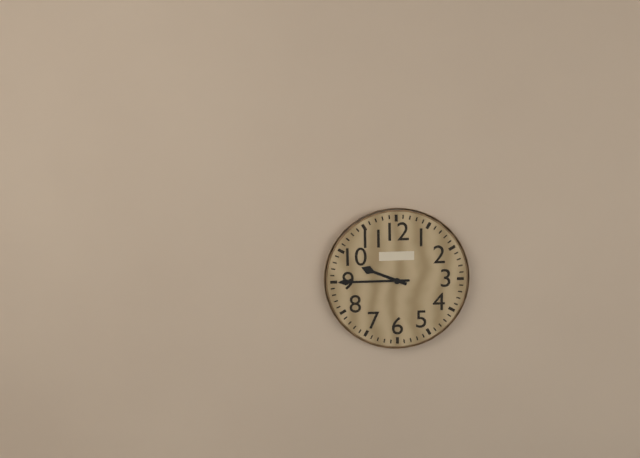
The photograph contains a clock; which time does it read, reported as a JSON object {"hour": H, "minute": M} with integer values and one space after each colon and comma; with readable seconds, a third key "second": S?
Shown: {"hour": 9, "minute": 45}
